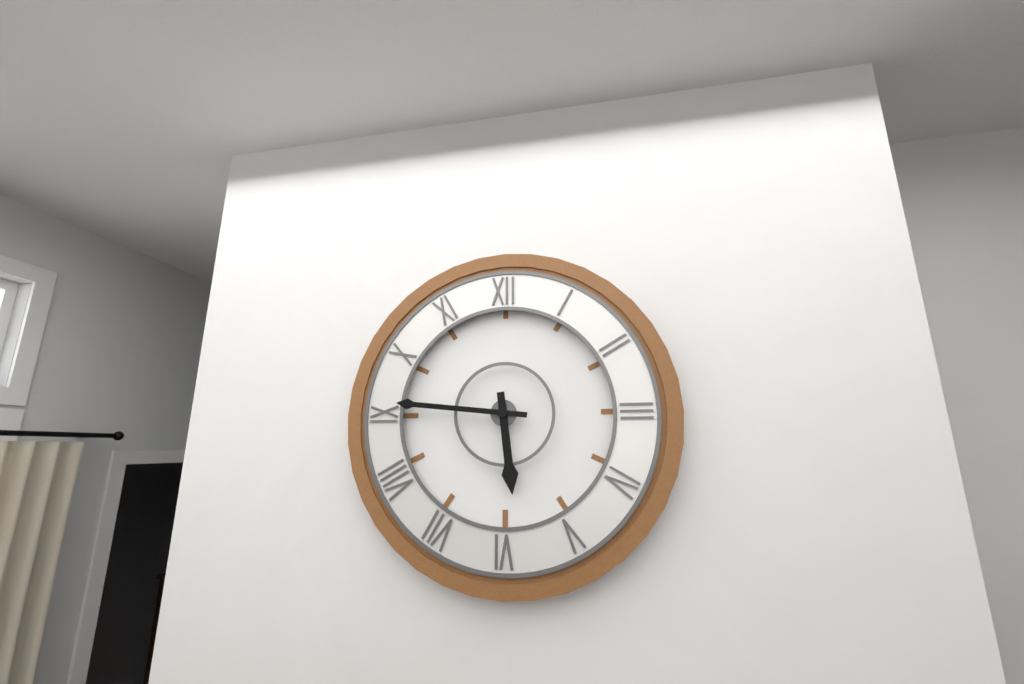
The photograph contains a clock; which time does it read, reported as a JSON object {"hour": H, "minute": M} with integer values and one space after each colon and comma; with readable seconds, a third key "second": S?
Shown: {"hour": 5, "minute": 46}
